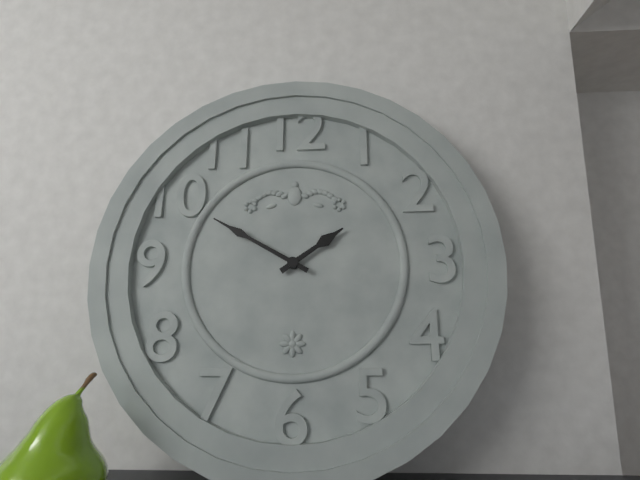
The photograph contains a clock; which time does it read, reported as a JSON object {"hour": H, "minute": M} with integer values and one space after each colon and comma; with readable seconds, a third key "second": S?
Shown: {"hour": 1, "minute": 50}
